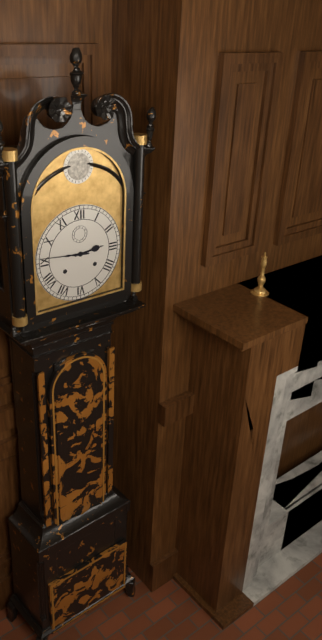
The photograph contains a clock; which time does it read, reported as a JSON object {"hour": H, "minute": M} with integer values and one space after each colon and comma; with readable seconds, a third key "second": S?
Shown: {"hour": 2, "minute": 46}
